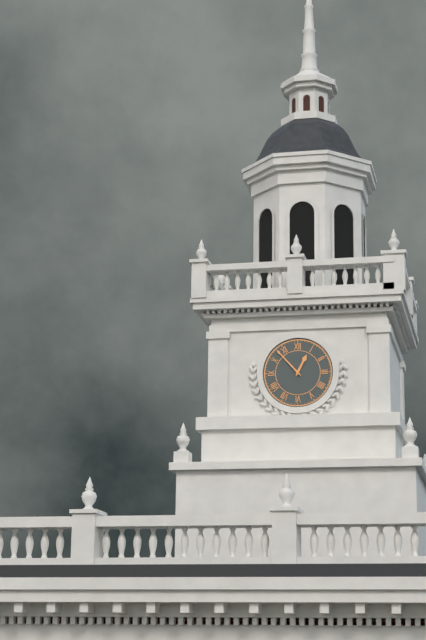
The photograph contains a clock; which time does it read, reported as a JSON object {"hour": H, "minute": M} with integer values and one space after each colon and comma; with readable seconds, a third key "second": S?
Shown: {"hour": 12, "minute": 53}
